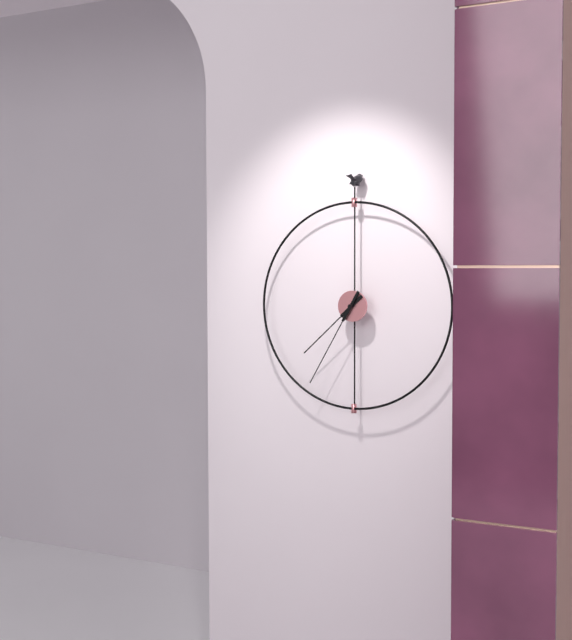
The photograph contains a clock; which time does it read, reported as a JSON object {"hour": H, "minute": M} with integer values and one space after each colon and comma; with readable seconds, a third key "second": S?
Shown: {"hour": 7, "minute": 35}
